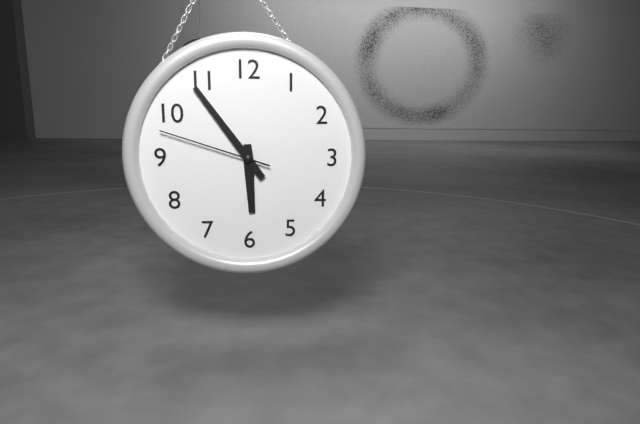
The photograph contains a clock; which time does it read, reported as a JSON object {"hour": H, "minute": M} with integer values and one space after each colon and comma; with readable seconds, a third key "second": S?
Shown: {"hour": 5, "minute": 54, "second": 48}
